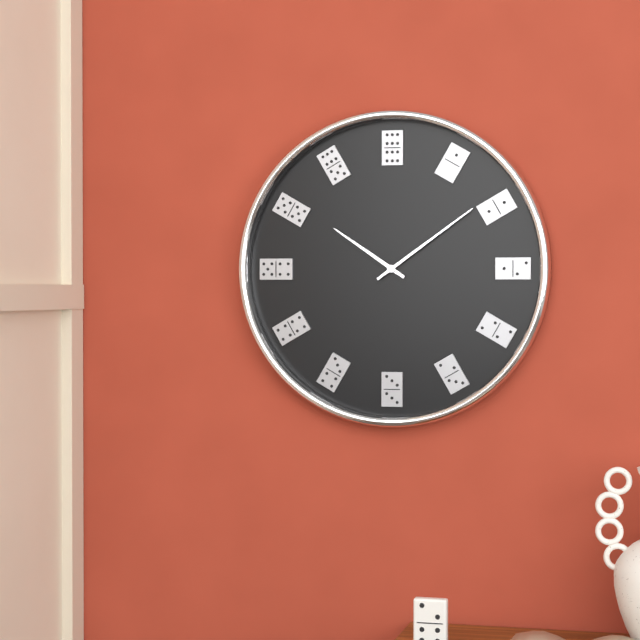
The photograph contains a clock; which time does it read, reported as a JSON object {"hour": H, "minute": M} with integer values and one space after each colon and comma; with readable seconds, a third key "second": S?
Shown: {"hour": 10, "minute": 9}
